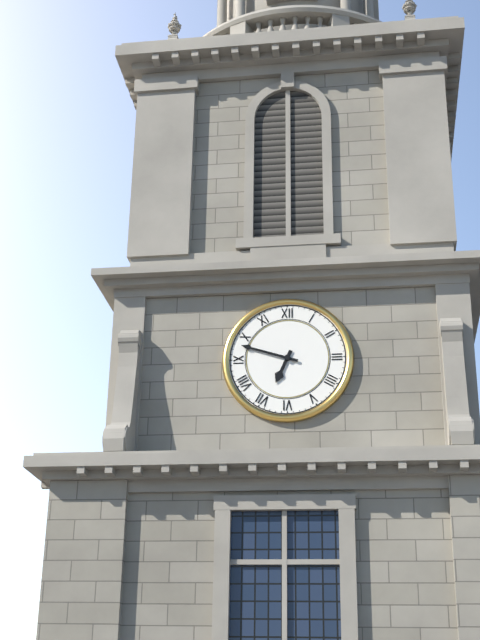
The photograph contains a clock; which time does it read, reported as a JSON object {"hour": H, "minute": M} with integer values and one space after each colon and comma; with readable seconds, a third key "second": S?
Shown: {"hour": 6, "minute": 48}
